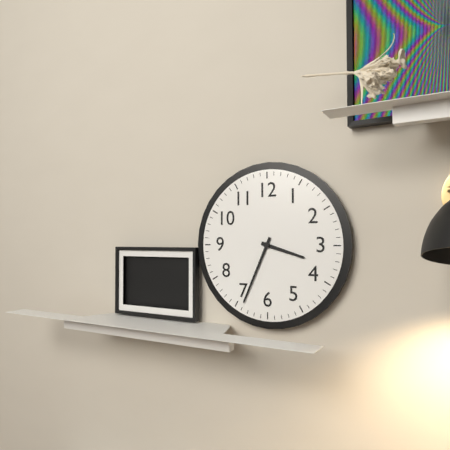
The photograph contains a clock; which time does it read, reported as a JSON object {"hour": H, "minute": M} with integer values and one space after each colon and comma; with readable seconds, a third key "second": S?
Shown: {"hour": 3, "minute": 34}
